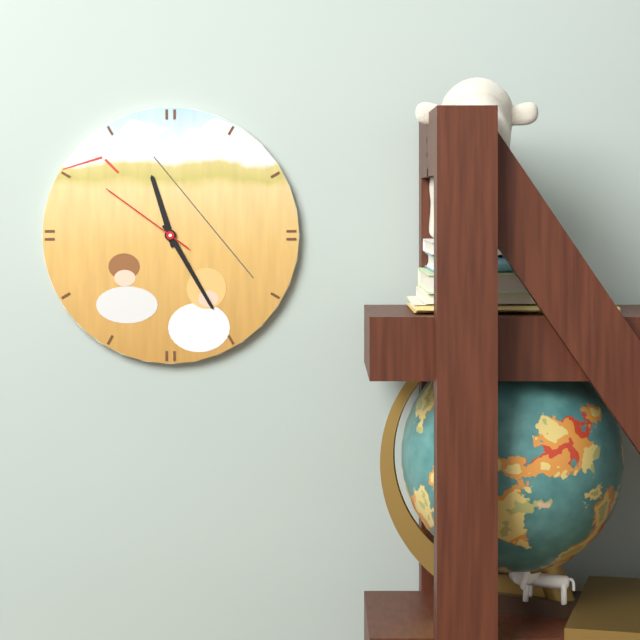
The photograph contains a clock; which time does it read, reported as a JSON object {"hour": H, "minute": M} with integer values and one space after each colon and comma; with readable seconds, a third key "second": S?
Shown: {"hour": 11, "minute": 25, "second": 51}
